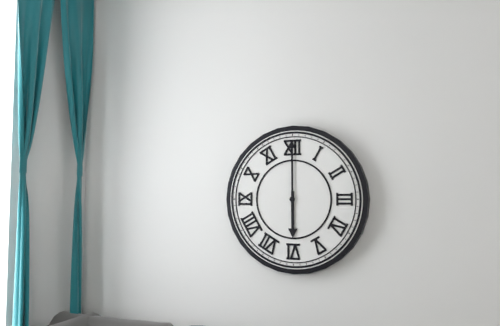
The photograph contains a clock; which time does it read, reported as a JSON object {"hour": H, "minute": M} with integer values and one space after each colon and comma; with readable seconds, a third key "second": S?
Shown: {"hour": 6, "minute": 0}
